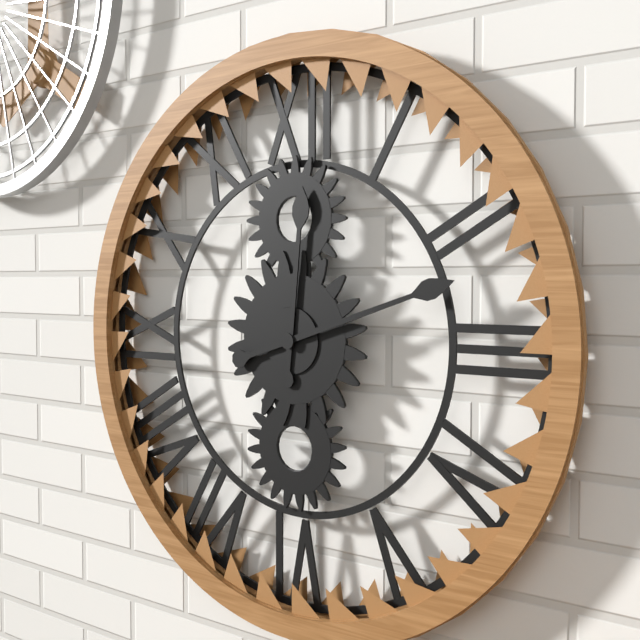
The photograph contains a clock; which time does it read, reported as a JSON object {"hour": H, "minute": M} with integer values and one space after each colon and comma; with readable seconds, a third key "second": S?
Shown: {"hour": 12, "minute": 12}
